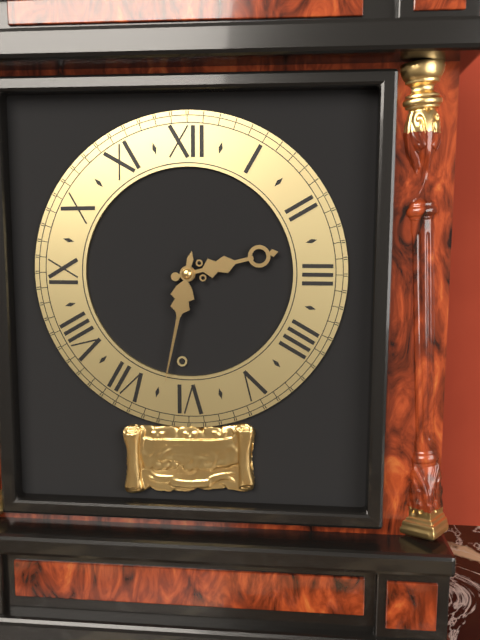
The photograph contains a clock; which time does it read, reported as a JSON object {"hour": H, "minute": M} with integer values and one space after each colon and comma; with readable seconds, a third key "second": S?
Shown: {"hour": 2, "minute": 32}
